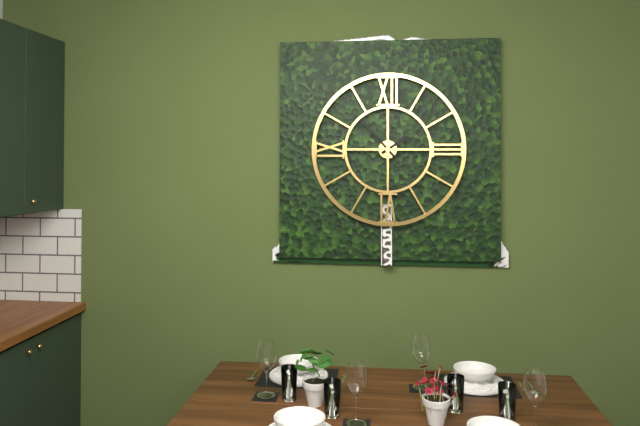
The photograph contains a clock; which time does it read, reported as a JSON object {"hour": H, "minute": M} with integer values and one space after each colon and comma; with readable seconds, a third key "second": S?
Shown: {"hour": 1, "minute": 53}
